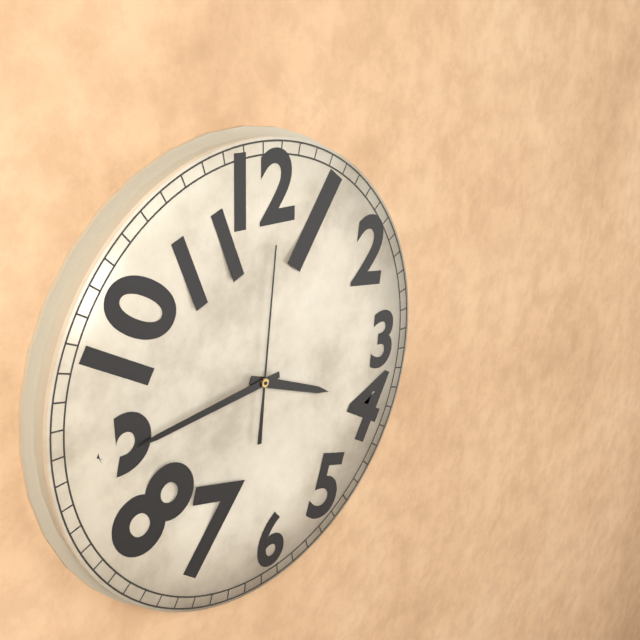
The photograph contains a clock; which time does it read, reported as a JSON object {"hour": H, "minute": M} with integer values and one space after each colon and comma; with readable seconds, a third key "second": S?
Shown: {"hour": 3, "minute": 44, "second": 1}
